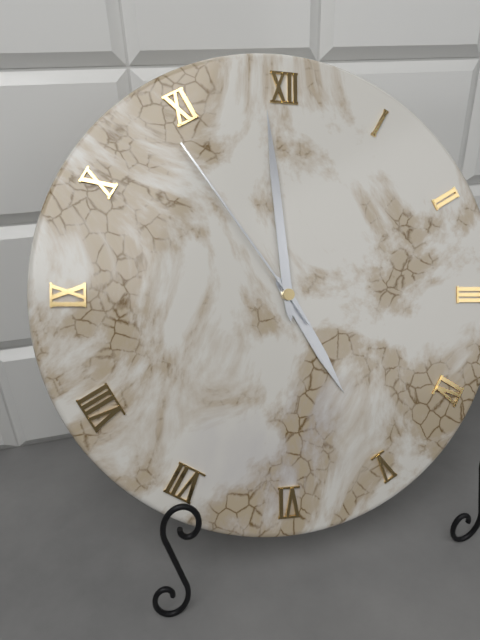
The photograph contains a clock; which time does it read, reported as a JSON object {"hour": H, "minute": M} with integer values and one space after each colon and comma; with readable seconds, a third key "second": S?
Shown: {"hour": 4, "minute": 59, "second": 54}
